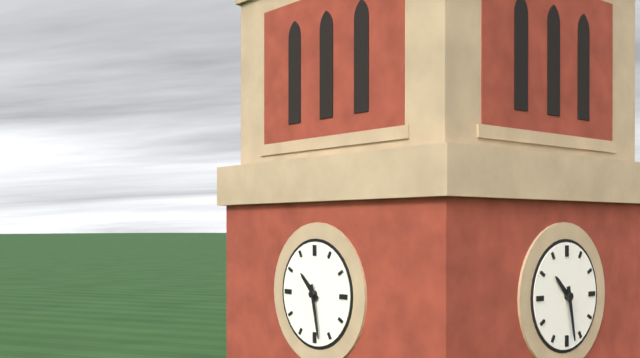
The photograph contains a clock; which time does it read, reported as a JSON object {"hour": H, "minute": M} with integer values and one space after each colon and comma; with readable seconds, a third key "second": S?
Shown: {"hour": 10, "minute": 28}
